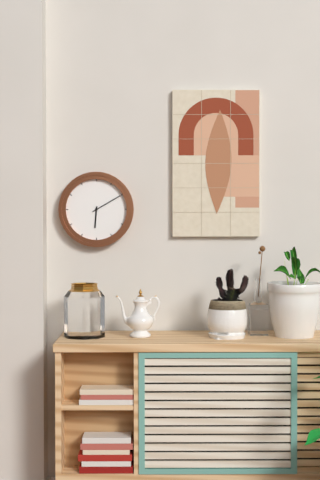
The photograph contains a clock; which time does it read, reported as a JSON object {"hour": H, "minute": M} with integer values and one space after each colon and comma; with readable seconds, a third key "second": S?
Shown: {"hour": 6, "minute": 10}
